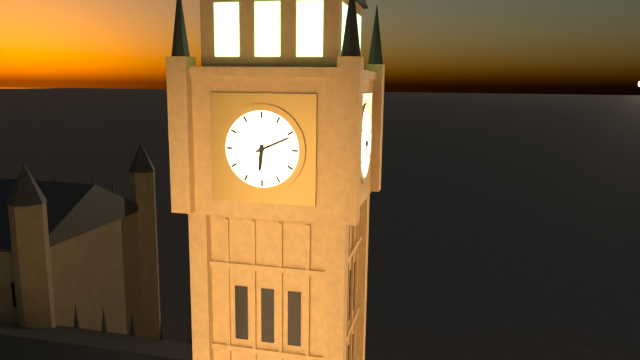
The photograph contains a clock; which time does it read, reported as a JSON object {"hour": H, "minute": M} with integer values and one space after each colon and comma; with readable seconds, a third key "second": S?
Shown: {"hour": 6, "minute": 11}
